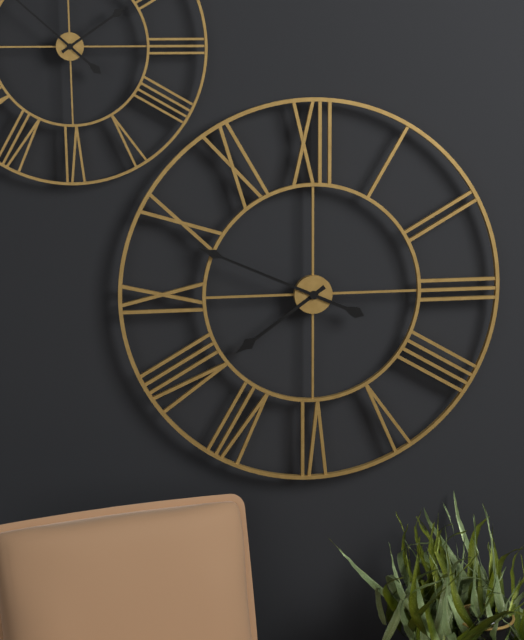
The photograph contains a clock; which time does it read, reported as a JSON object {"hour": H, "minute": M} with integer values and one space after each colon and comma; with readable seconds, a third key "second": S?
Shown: {"hour": 7, "minute": 49}
